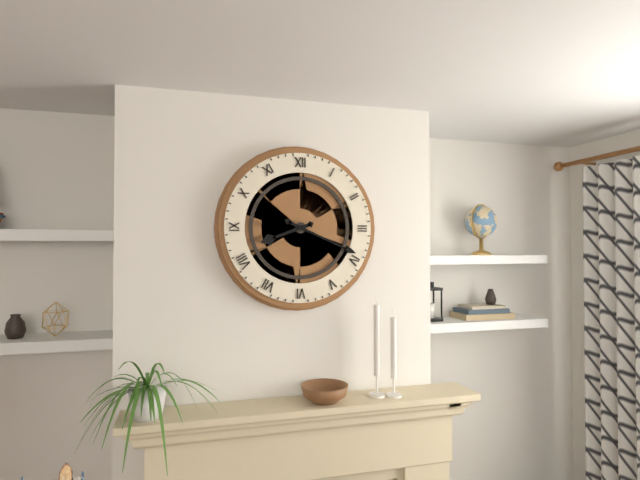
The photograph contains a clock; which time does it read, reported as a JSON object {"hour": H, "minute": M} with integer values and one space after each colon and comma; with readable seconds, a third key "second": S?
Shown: {"hour": 8, "minute": 19}
